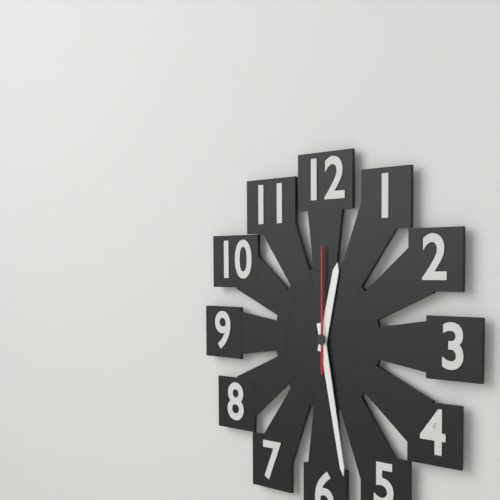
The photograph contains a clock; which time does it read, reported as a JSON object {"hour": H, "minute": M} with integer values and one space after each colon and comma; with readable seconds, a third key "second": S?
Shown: {"hour": 12, "minute": 28, "second": 0}
